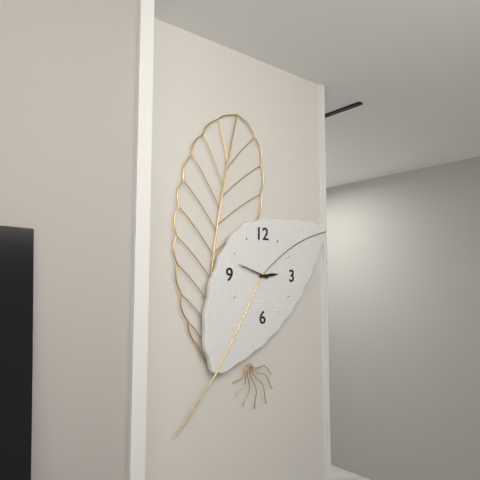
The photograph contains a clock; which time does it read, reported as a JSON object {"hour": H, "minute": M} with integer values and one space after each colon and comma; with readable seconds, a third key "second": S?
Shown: {"hour": 2, "minute": 48}
